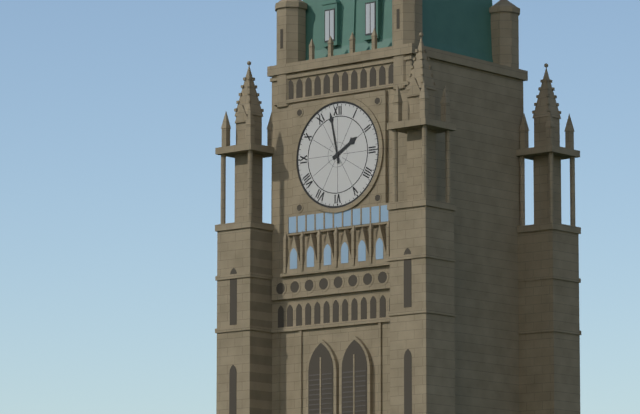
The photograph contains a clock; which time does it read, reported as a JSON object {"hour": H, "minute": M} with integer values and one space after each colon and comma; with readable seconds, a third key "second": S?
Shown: {"hour": 1, "minute": 58}
